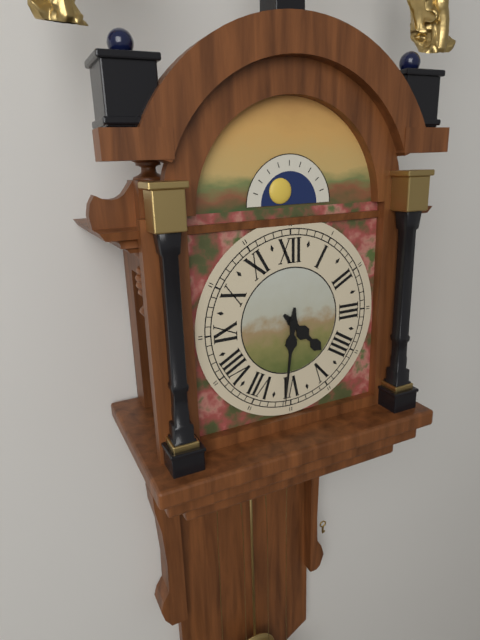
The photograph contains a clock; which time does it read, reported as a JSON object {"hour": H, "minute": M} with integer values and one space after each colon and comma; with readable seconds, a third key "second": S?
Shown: {"hour": 4, "minute": 31}
